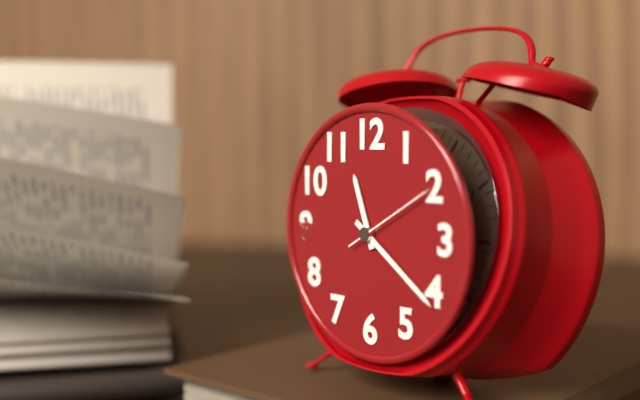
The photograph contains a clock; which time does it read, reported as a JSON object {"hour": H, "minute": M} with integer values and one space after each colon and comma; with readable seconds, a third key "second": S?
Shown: {"hour": 11, "minute": 21, "second": 10}
